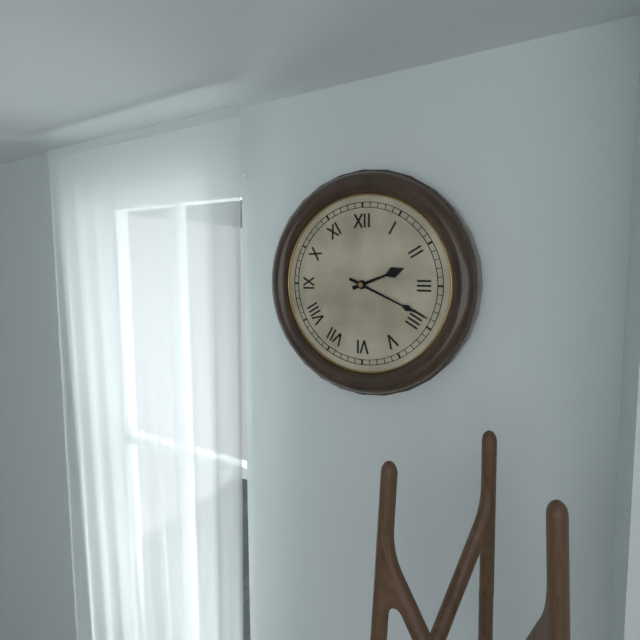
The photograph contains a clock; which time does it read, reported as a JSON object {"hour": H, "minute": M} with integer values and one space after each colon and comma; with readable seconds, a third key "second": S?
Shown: {"hour": 2, "minute": 19}
